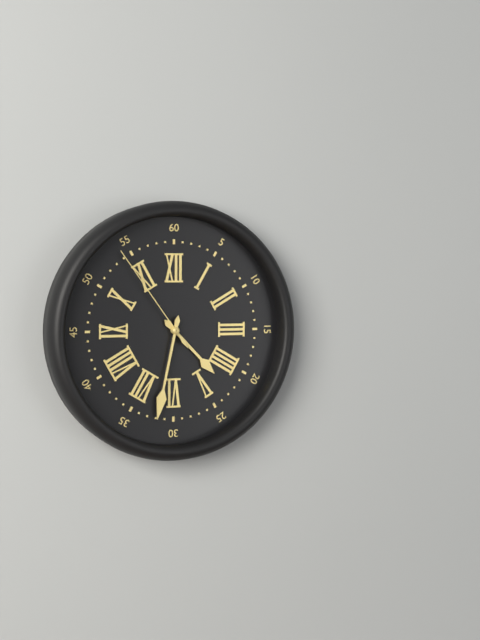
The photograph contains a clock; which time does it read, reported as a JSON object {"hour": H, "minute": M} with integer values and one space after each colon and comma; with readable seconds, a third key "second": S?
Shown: {"hour": 4, "minute": 32, "second": 54}
